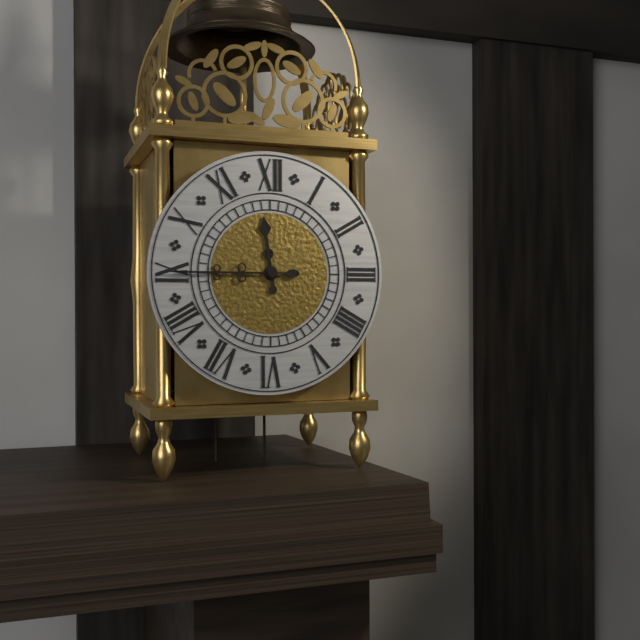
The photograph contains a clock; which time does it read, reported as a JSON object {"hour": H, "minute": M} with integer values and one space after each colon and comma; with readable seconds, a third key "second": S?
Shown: {"hour": 11, "minute": 45}
